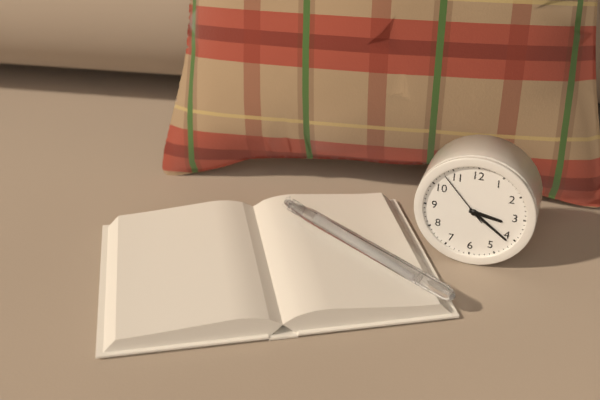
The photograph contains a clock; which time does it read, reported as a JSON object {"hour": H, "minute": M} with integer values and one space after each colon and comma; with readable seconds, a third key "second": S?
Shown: {"hour": 3, "minute": 21, "second": 53}
